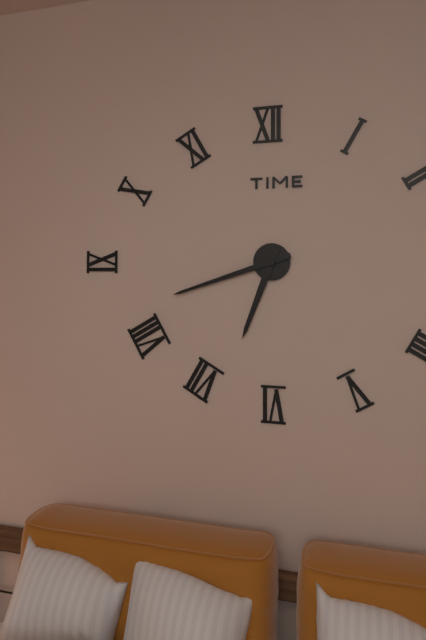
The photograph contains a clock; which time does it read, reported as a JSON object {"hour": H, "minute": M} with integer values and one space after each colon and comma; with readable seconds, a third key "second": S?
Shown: {"hour": 6, "minute": 42}
